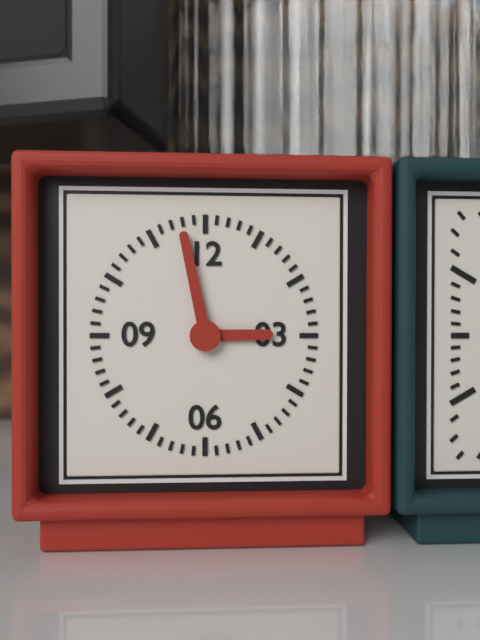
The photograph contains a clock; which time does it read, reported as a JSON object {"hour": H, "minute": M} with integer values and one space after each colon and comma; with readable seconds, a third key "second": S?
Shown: {"hour": 2, "minute": 58}
